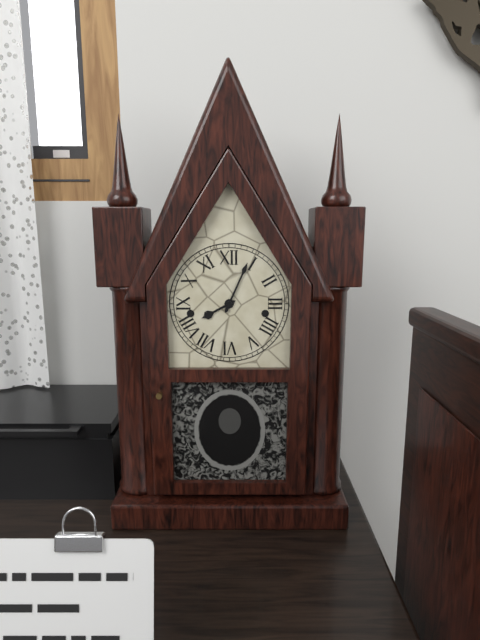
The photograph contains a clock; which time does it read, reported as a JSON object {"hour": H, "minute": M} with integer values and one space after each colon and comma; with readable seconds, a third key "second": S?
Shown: {"hour": 8, "minute": 4}
